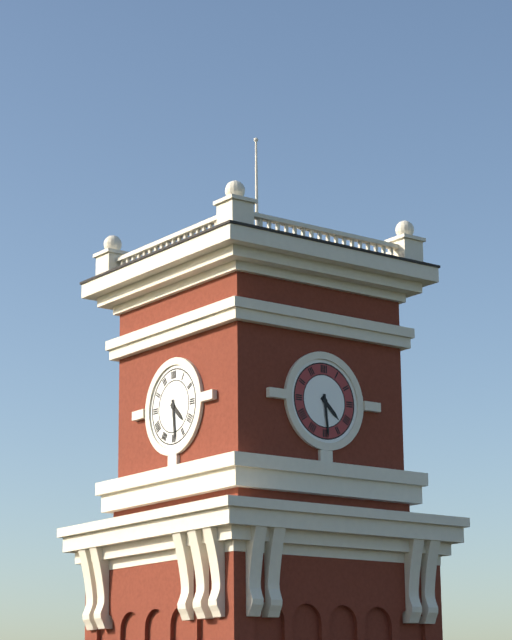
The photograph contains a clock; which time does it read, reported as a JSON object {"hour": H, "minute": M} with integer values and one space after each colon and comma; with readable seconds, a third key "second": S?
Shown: {"hour": 4, "minute": 29}
